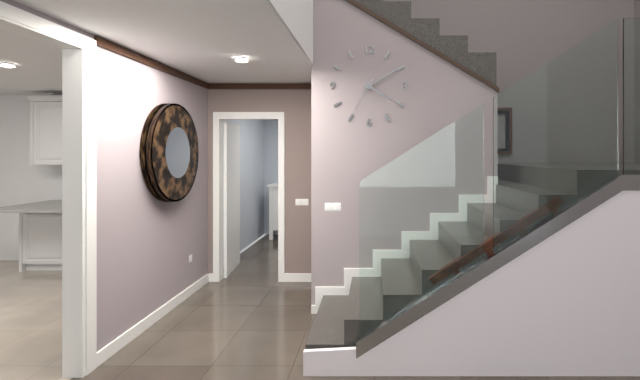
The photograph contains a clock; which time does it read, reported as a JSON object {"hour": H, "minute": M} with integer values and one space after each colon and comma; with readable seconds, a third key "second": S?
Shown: {"hour": 4, "minute": 10}
